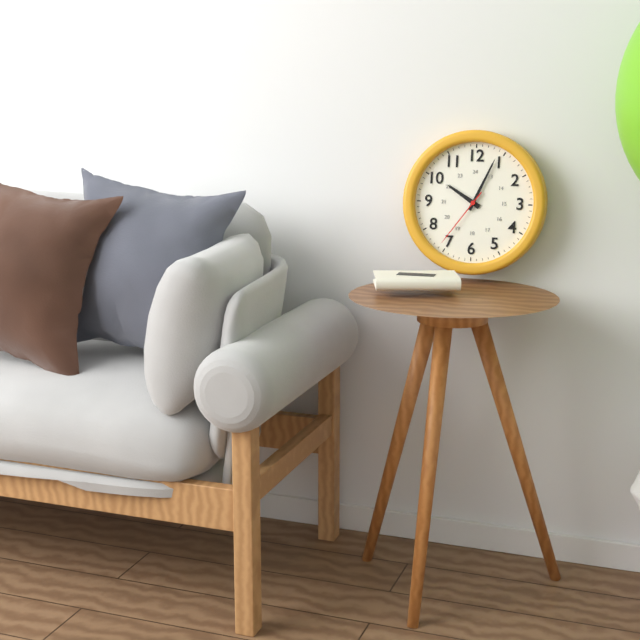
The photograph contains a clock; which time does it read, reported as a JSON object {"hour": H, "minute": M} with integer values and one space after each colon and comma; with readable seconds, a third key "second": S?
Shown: {"hour": 10, "minute": 4, "second": 36}
